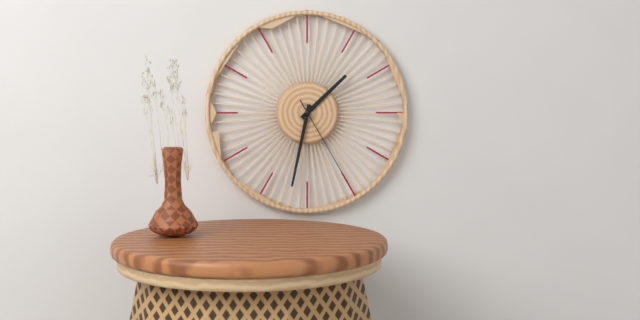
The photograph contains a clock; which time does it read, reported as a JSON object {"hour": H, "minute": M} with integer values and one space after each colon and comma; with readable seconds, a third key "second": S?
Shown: {"hour": 1, "minute": 32, "second": 25}
